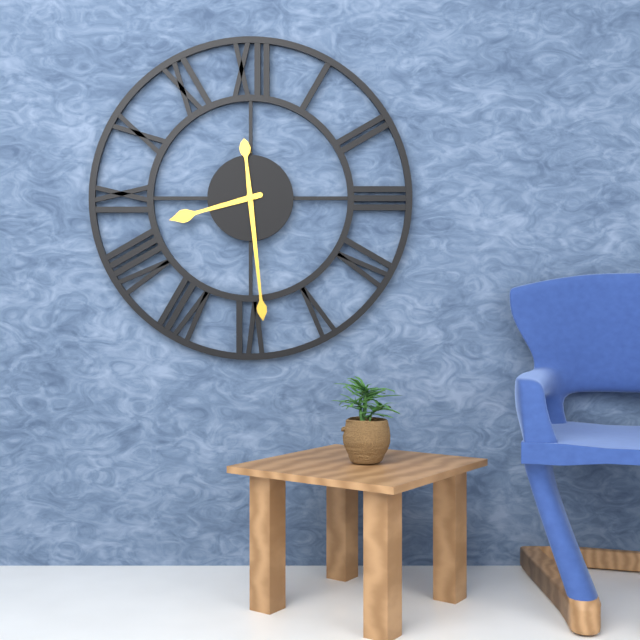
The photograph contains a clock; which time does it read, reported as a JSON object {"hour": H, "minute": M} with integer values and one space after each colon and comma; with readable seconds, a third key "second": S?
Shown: {"hour": 8, "minute": 29}
